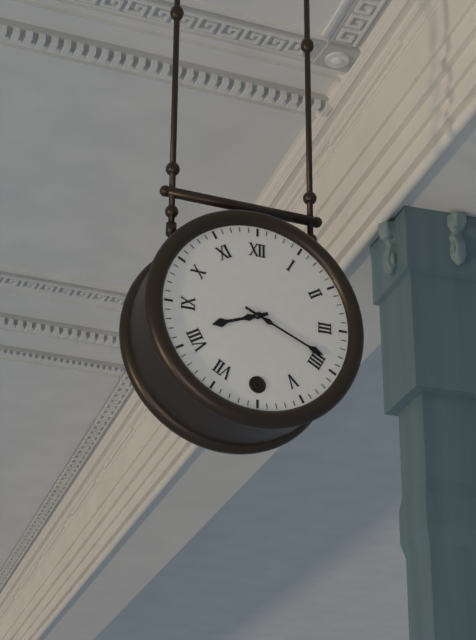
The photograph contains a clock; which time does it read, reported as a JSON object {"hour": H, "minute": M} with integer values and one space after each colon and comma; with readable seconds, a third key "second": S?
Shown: {"hour": 8, "minute": 19}
